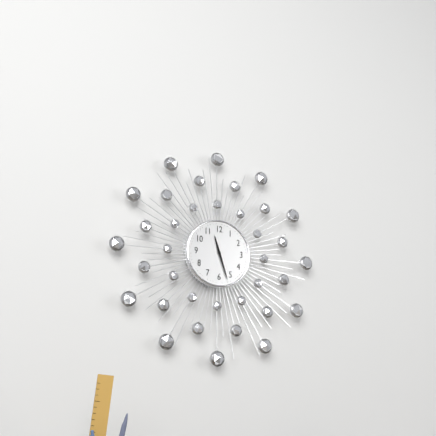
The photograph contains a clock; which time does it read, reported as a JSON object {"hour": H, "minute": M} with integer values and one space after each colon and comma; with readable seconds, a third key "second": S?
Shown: {"hour": 11, "minute": 27}
